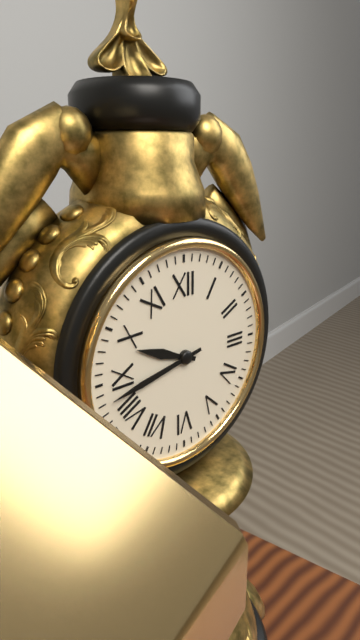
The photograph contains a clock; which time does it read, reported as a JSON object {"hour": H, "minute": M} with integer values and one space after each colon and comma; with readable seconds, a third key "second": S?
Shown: {"hour": 9, "minute": 43}
